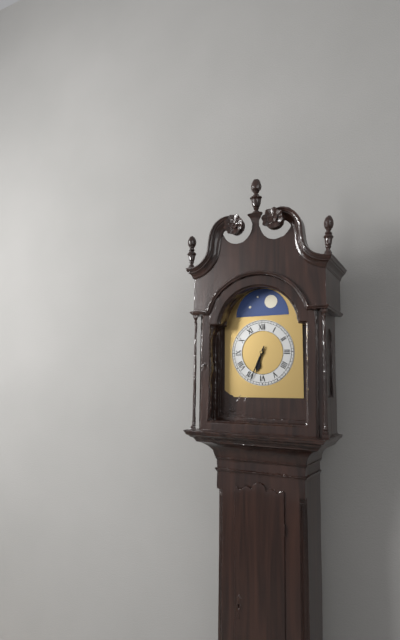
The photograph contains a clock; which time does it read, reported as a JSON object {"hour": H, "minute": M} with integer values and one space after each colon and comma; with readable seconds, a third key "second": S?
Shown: {"hour": 6, "minute": 34}
